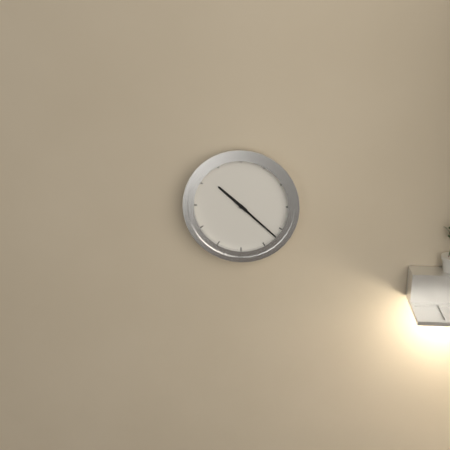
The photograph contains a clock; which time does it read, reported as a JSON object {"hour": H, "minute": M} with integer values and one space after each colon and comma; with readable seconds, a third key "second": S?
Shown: {"hour": 10, "minute": 22}
